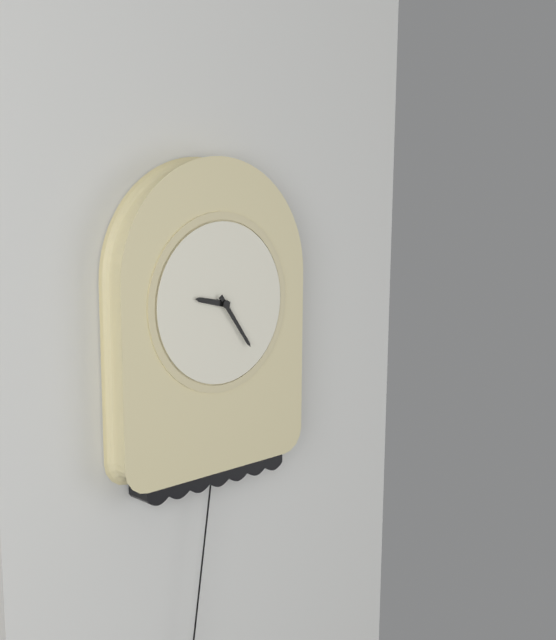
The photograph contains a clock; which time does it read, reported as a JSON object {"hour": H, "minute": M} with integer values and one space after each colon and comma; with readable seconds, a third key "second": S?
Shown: {"hour": 9, "minute": 24}
